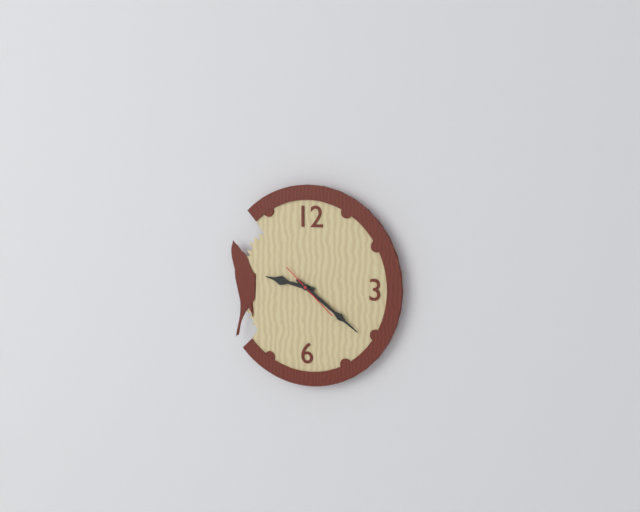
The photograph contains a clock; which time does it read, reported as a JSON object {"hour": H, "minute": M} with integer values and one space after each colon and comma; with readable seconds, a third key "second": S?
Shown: {"hour": 9, "minute": 21}
